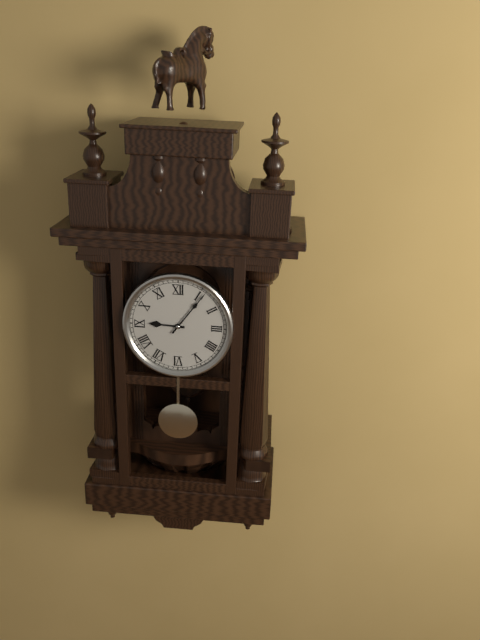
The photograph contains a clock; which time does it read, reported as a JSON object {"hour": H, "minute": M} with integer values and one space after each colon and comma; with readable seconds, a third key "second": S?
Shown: {"hour": 9, "minute": 6}
